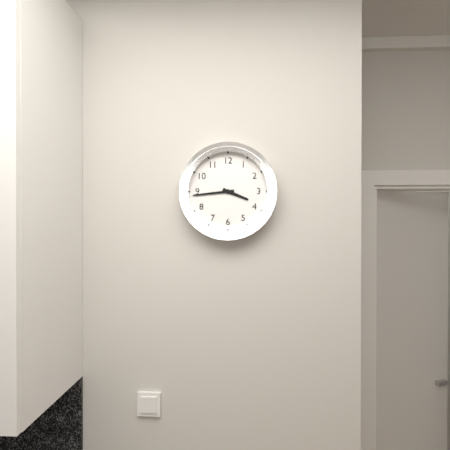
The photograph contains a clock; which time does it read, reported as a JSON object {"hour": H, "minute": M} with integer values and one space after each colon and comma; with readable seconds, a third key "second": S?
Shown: {"hour": 3, "minute": 44}
